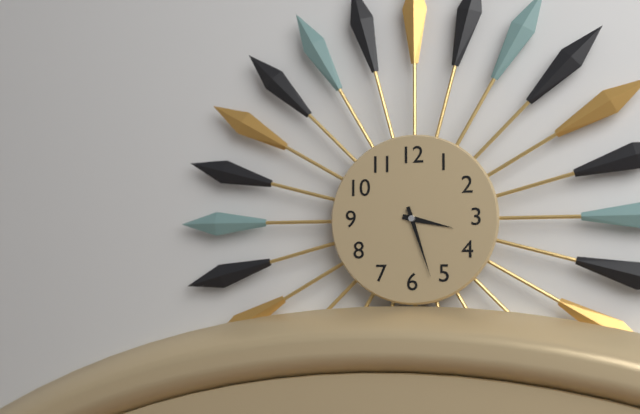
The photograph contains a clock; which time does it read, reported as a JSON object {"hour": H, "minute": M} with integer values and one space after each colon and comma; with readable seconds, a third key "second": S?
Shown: {"hour": 3, "minute": 27}
